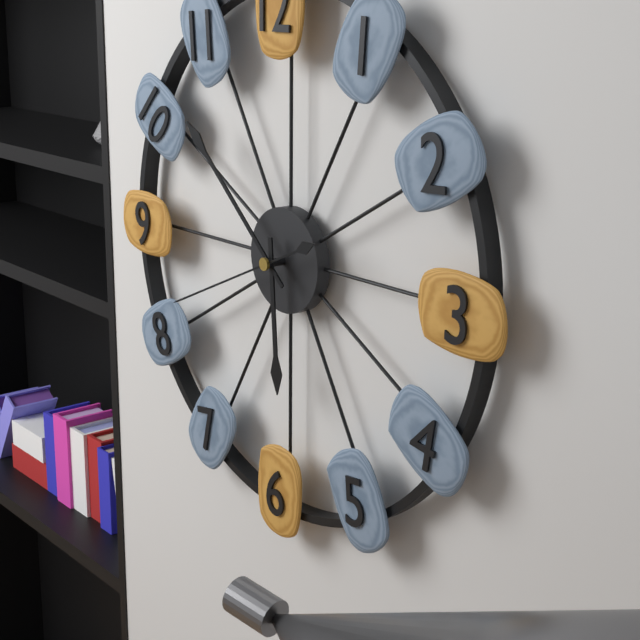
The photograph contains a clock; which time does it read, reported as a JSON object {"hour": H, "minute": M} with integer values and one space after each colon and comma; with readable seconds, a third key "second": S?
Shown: {"hour": 5, "minute": 52, "second": 41}
